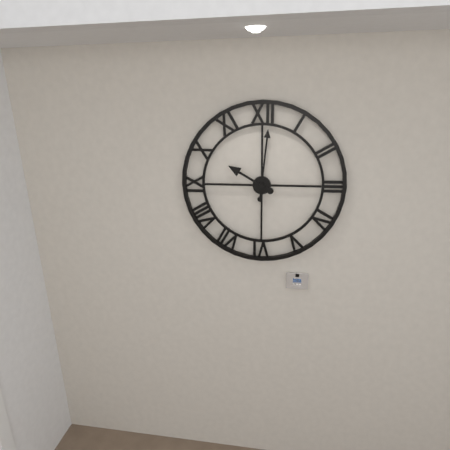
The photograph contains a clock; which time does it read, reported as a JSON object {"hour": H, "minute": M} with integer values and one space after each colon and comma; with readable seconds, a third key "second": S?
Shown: {"hour": 10, "minute": 1}
